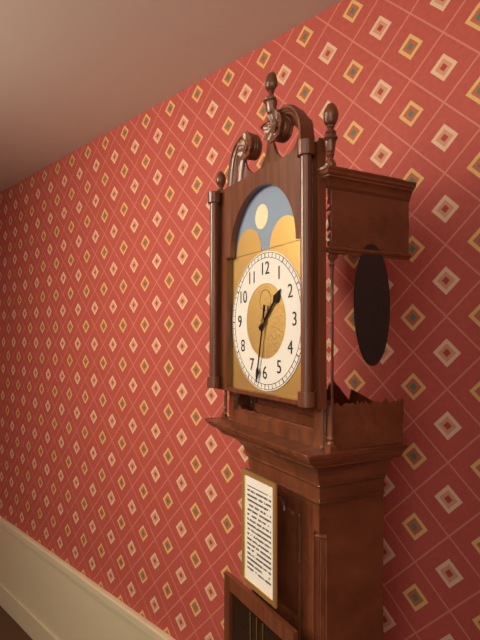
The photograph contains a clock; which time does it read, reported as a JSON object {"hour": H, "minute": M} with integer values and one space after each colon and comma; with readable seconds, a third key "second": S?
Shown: {"hour": 1, "minute": 32}
